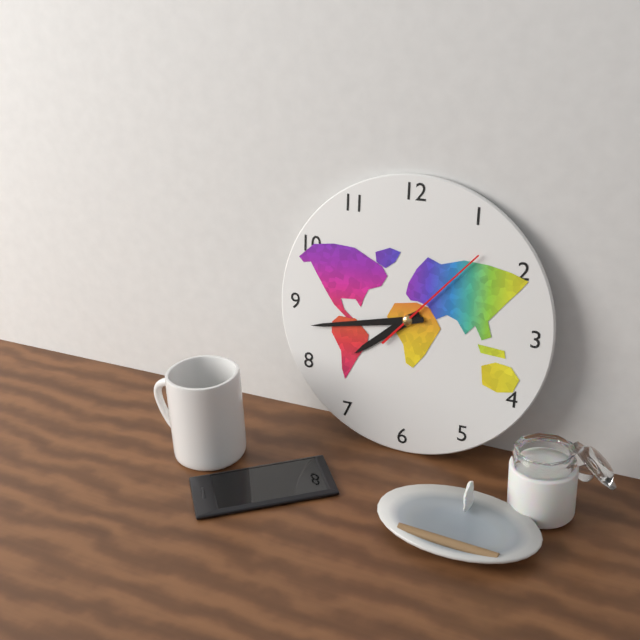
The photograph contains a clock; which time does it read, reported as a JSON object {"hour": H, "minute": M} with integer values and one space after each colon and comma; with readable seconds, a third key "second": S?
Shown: {"hour": 7, "minute": 43, "second": 7}
